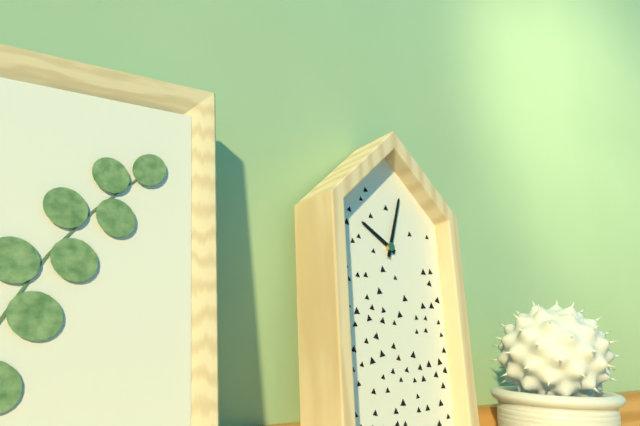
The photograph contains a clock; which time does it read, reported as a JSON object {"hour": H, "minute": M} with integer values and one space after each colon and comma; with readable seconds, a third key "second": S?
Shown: {"hour": 10, "minute": 3}
